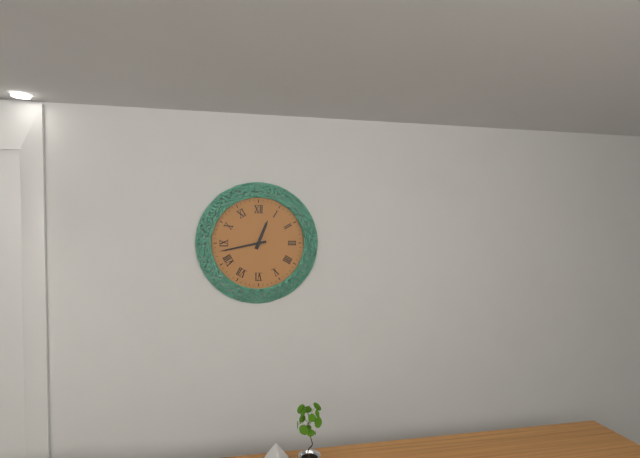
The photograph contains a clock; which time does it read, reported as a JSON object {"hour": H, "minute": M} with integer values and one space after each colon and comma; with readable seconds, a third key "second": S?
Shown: {"hour": 12, "minute": 43}
